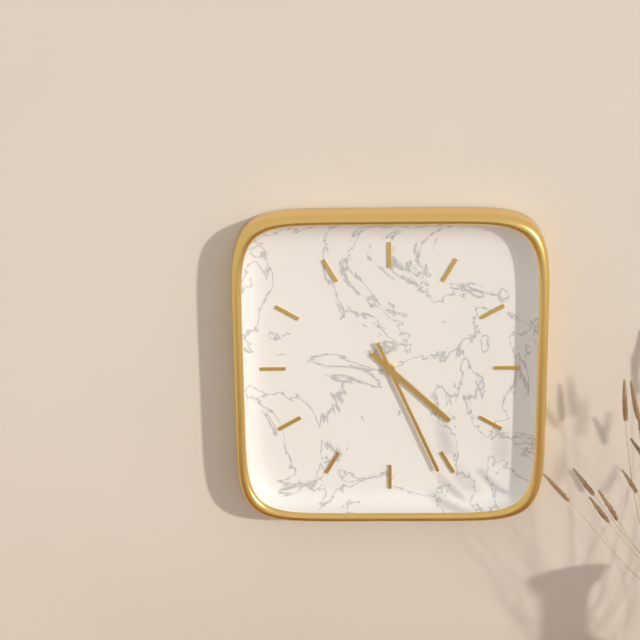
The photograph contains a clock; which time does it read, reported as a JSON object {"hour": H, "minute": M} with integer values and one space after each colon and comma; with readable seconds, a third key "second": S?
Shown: {"hour": 4, "minute": 26}
